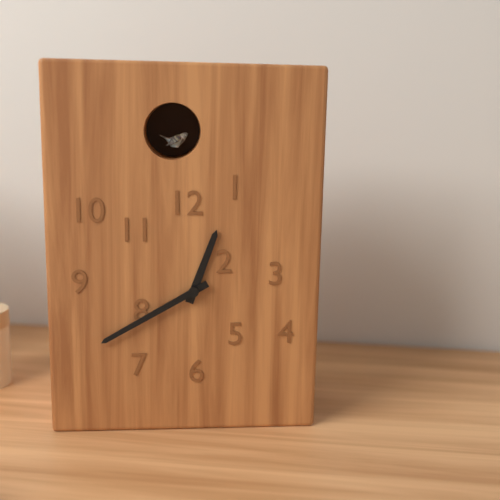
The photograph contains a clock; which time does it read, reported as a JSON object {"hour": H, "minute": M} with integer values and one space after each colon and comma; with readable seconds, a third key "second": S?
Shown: {"hour": 12, "minute": 40}
